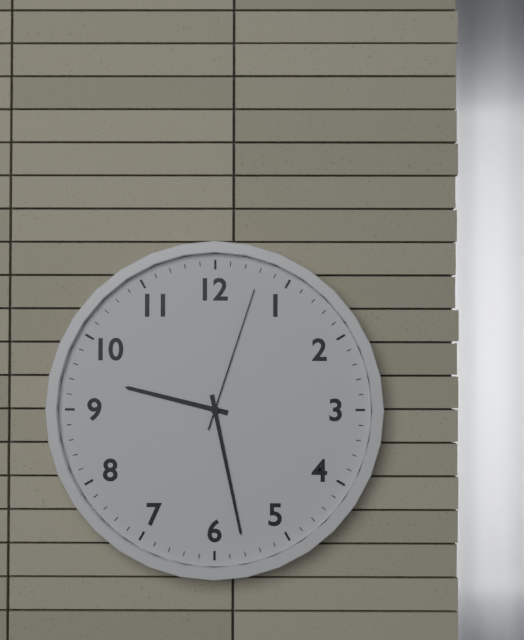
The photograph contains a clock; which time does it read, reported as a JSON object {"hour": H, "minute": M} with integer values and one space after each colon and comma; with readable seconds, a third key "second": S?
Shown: {"hour": 9, "minute": 28, "second": 3}
